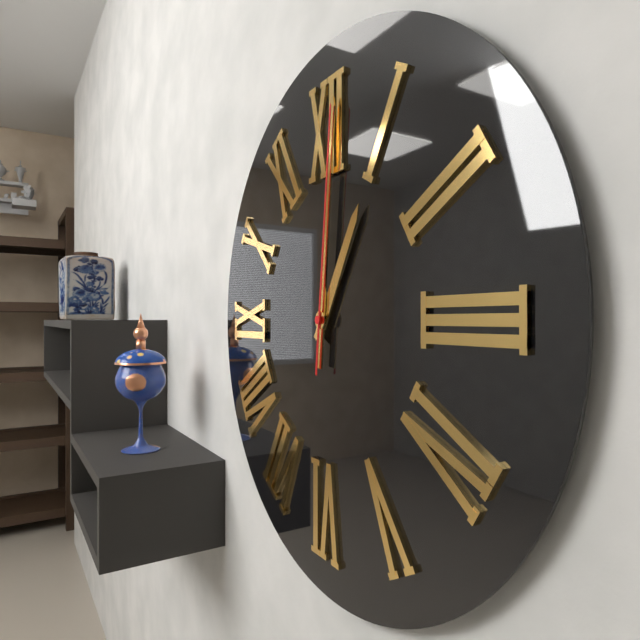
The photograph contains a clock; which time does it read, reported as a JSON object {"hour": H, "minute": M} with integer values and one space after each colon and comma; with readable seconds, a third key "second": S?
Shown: {"hour": 1, "minute": 1, "second": 1}
